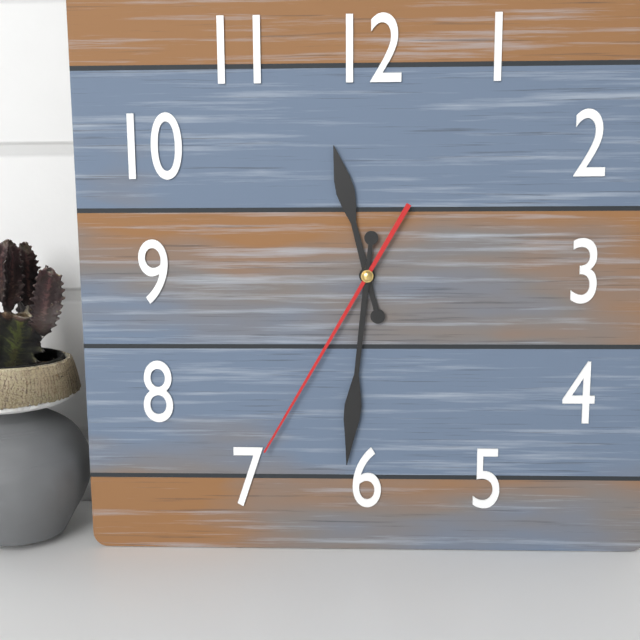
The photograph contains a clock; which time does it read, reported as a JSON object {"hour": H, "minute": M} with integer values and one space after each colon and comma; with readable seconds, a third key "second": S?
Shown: {"hour": 11, "minute": 31, "second": 35}
